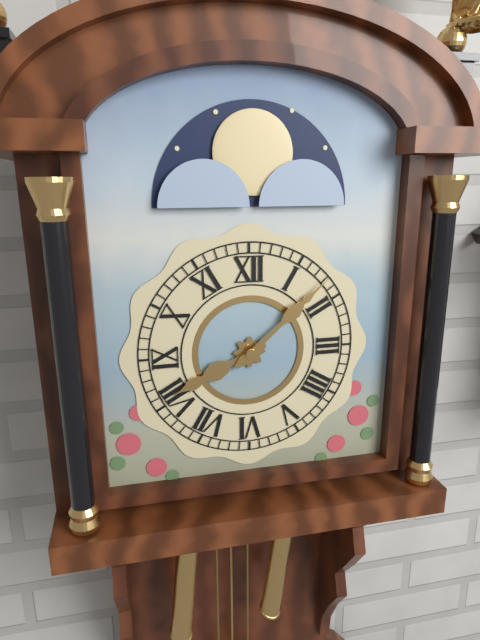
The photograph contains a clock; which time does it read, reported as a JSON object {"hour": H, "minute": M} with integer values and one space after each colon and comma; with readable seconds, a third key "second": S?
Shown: {"hour": 8, "minute": 8}
